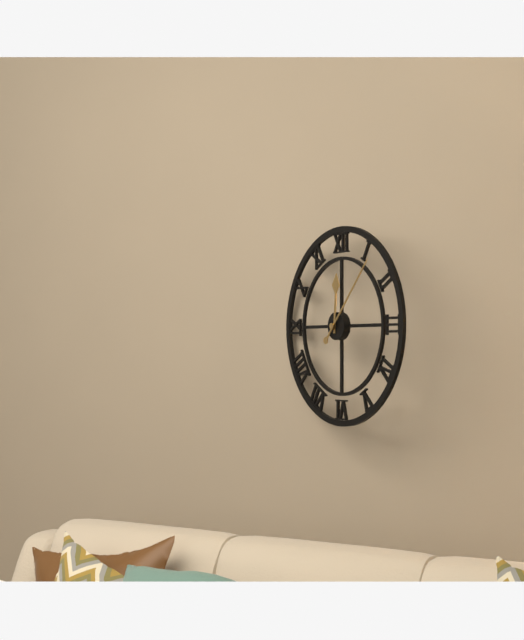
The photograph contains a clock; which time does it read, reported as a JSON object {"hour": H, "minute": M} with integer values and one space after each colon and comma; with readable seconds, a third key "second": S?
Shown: {"hour": 12, "minute": 7}
